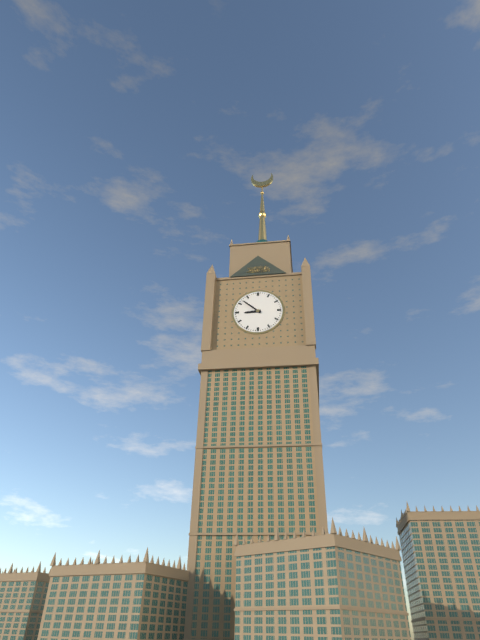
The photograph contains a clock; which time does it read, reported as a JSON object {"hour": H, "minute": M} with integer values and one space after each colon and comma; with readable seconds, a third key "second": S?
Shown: {"hour": 8, "minute": 52}
